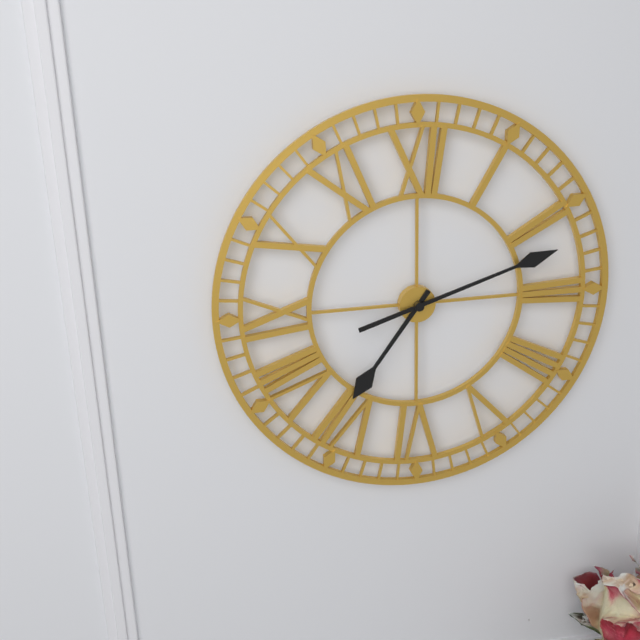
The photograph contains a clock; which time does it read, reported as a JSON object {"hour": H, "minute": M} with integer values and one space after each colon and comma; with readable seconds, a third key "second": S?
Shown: {"hour": 7, "minute": 12}
